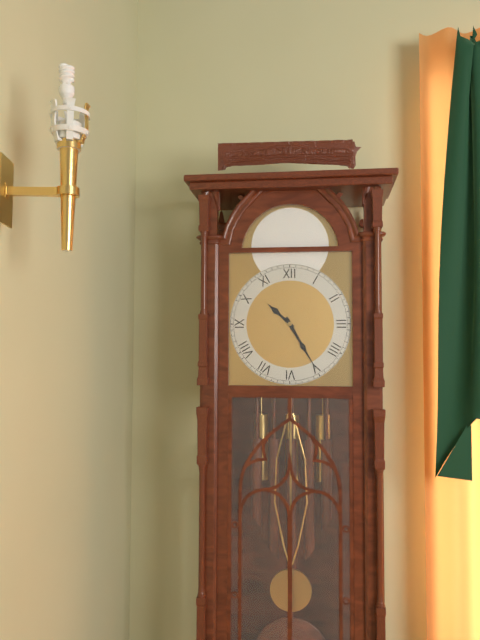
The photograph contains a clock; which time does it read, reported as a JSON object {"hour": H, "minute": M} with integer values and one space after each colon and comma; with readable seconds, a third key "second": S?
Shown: {"hour": 10, "minute": 25}
